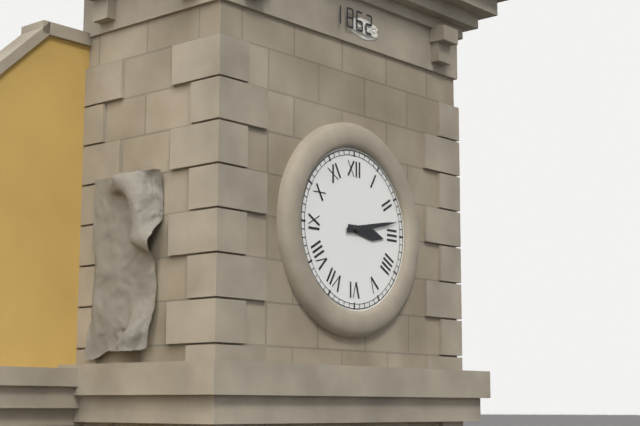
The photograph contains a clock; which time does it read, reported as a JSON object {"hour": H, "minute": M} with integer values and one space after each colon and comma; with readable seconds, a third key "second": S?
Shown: {"hour": 3, "minute": 13}
